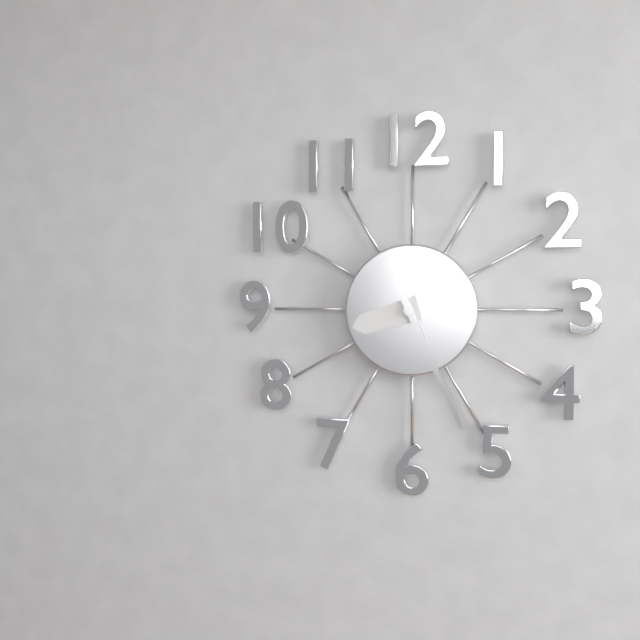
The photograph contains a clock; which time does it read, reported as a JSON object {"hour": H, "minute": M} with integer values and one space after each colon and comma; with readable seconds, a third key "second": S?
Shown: {"hour": 8, "minute": 26}
